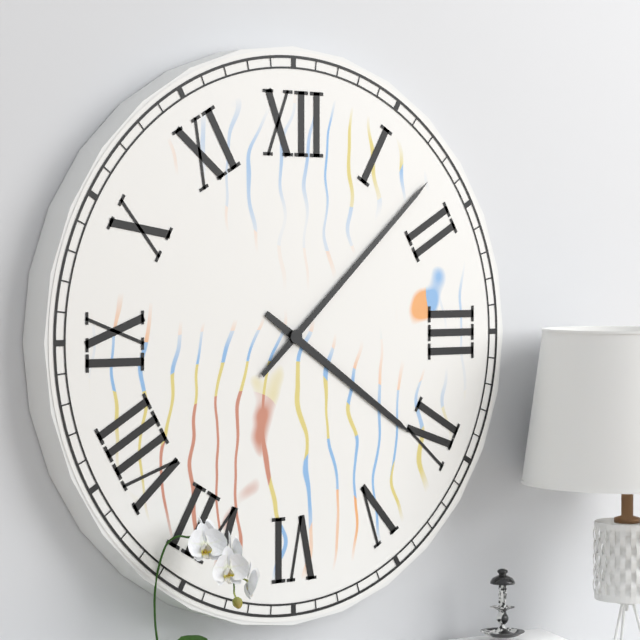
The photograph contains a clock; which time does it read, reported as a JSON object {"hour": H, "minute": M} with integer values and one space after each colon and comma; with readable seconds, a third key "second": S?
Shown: {"hour": 4, "minute": 8}
